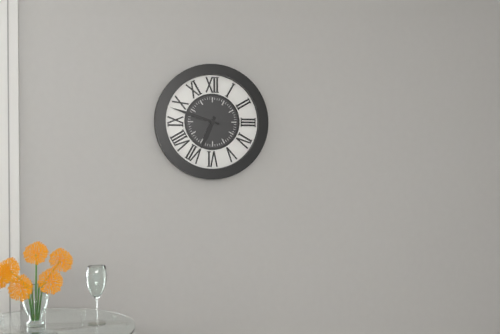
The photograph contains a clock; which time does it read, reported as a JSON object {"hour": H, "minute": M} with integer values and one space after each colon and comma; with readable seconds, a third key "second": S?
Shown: {"hour": 6, "minute": 48}
